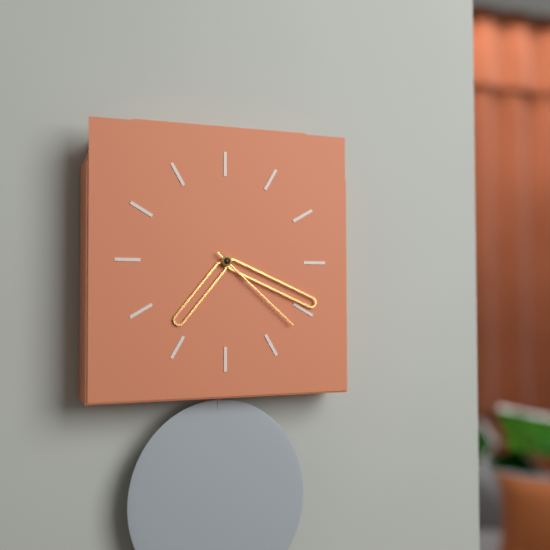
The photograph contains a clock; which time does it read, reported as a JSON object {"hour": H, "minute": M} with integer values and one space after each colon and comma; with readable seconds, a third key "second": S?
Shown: {"hour": 7, "minute": 19, "second": 22}
